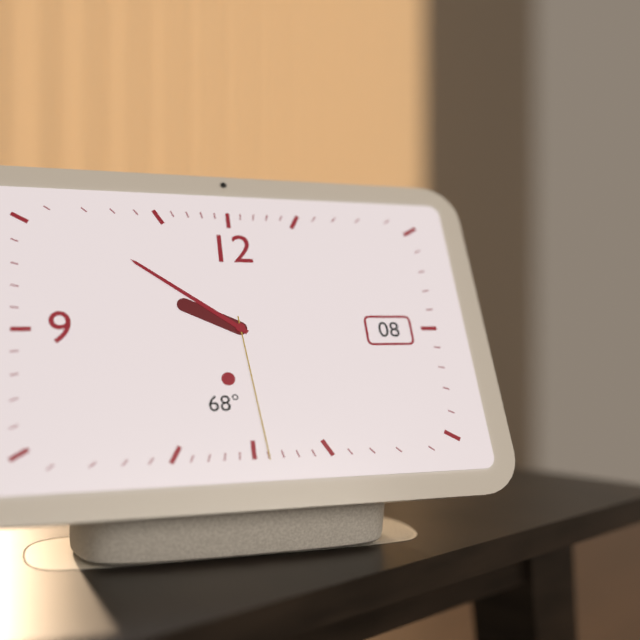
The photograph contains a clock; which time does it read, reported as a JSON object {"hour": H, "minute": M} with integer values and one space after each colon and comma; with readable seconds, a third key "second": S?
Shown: {"hour": 9, "minute": 51, "second": 29}
